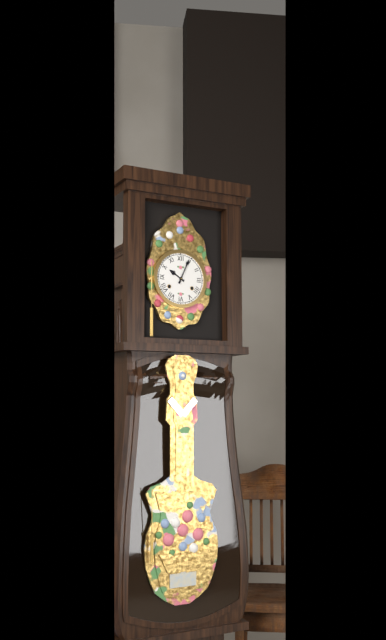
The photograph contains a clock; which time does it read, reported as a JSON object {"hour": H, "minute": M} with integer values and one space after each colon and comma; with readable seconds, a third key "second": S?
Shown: {"hour": 10, "minute": 4}
